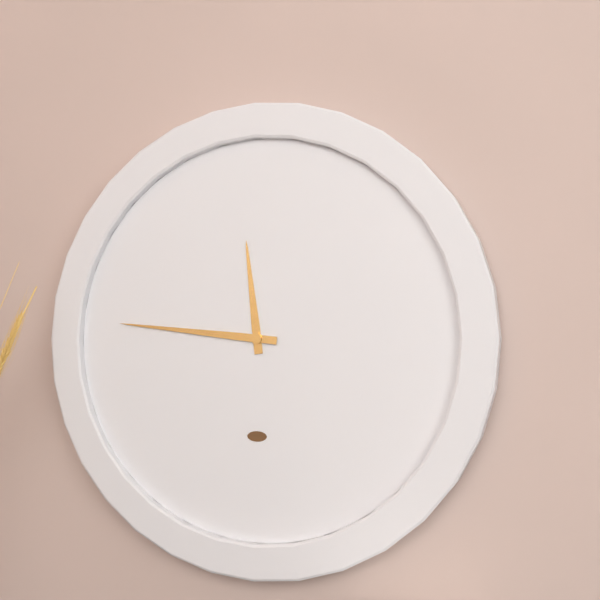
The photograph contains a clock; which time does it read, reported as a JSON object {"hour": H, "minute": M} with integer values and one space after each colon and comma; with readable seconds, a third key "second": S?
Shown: {"hour": 11, "minute": 46}
